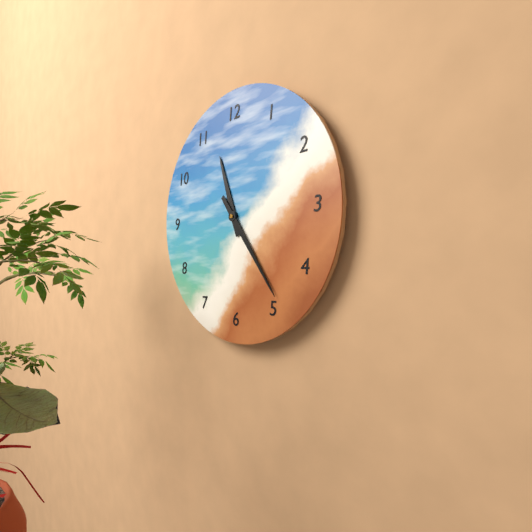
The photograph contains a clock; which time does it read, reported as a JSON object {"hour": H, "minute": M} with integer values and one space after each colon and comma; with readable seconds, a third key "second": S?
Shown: {"hour": 11, "minute": 24}
